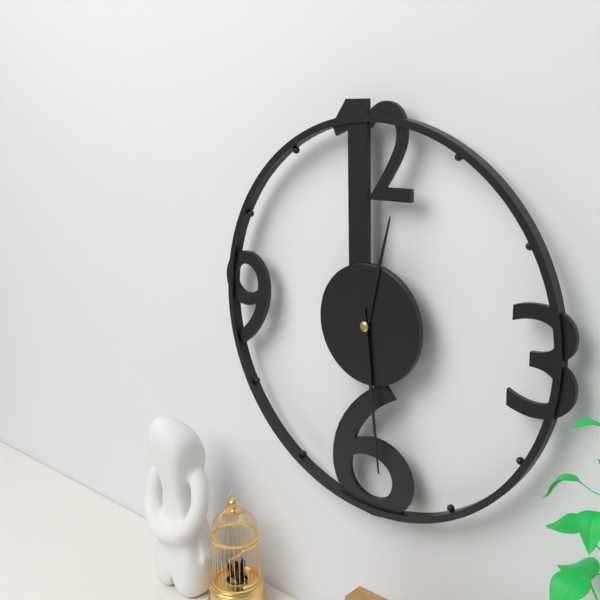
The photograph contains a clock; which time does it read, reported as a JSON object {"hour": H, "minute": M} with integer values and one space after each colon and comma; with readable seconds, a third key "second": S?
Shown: {"hour": 12, "minute": 29}
